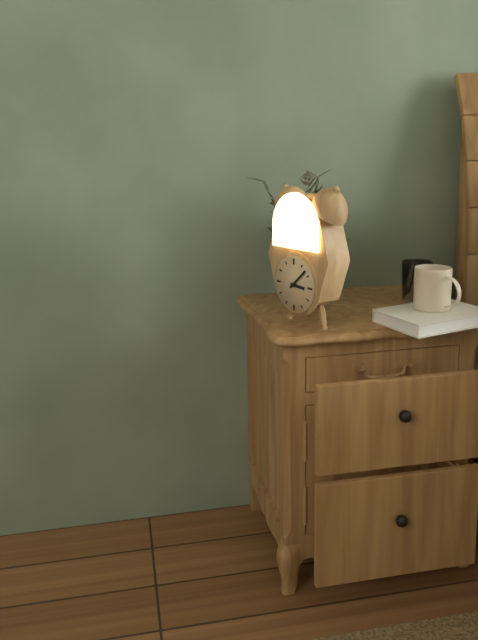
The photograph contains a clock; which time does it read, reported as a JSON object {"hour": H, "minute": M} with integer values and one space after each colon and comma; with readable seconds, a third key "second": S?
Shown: {"hour": 3, "minute": 8}
